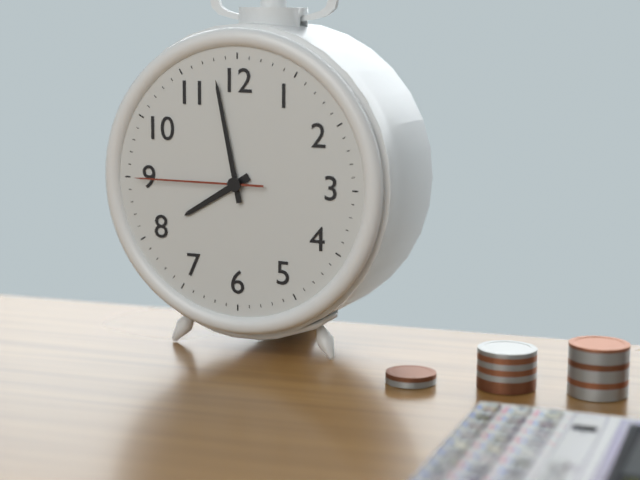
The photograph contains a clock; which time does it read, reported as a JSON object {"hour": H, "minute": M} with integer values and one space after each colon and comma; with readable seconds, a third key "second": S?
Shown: {"hour": 7, "minute": 58, "second": 45}
